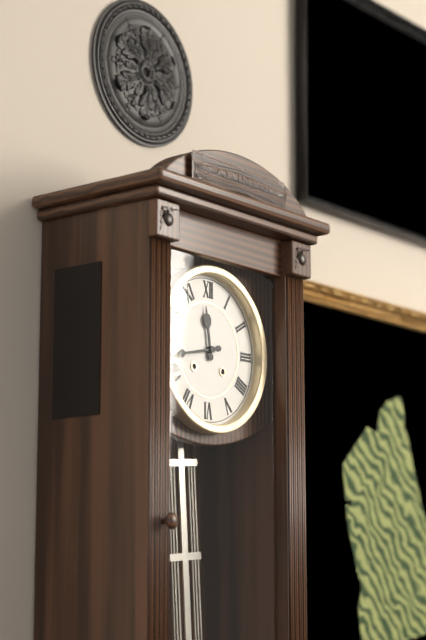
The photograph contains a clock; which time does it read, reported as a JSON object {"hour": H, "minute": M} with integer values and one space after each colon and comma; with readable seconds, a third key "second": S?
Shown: {"hour": 11, "minute": 43}
